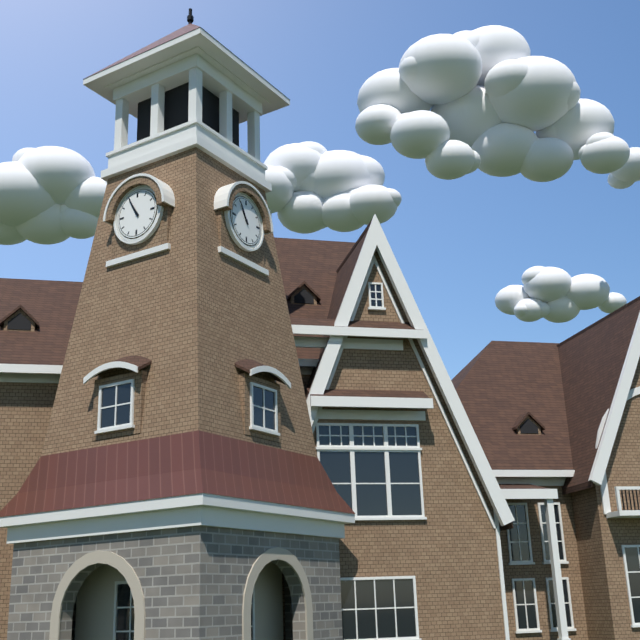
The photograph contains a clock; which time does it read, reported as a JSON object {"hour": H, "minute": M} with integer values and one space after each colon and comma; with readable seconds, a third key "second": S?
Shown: {"hour": 10, "minute": 55}
